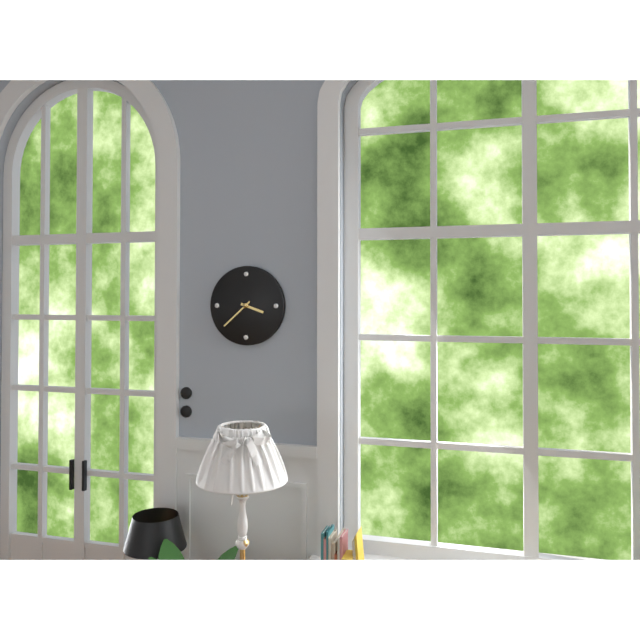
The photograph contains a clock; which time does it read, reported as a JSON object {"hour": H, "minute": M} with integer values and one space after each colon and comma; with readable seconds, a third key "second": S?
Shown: {"hour": 3, "minute": 38}
